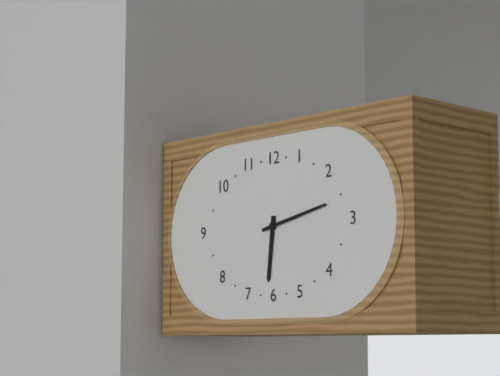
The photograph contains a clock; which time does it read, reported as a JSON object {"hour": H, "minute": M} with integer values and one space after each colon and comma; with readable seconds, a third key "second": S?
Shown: {"hour": 6, "minute": 13}
